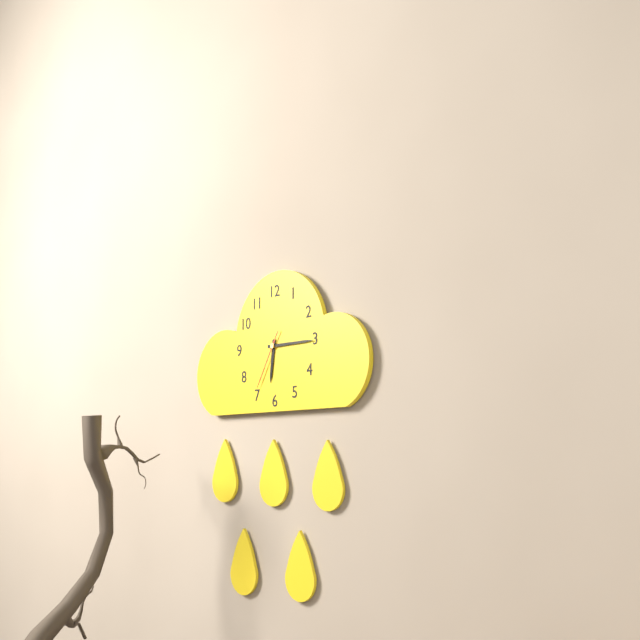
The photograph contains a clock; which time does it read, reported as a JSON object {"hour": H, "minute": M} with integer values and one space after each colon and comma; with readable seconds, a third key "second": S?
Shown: {"hour": 6, "minute": 15, "second": 35}
